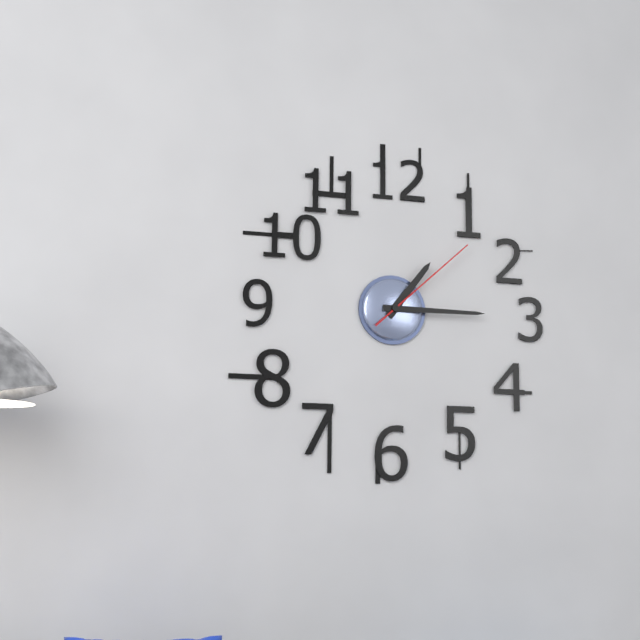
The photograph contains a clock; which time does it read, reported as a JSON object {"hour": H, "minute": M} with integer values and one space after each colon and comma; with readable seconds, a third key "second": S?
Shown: {"hour": 1, "minute": 15, "second": 8}
